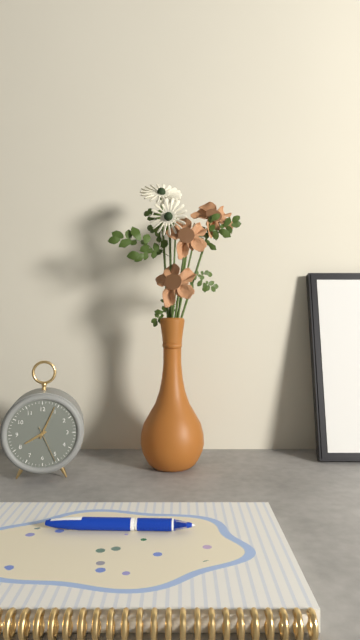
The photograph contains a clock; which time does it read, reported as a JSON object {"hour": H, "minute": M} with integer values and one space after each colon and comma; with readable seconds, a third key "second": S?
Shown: {"hour": 8, "minute": 4}
